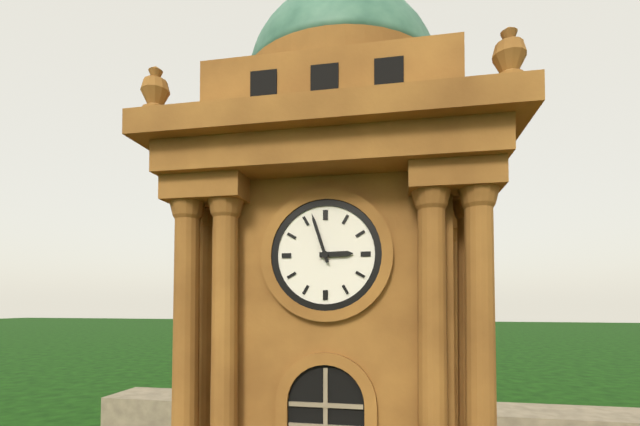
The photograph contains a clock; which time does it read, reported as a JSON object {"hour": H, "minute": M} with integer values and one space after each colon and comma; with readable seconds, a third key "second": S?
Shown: {"hour": 2, "minute": 57}
